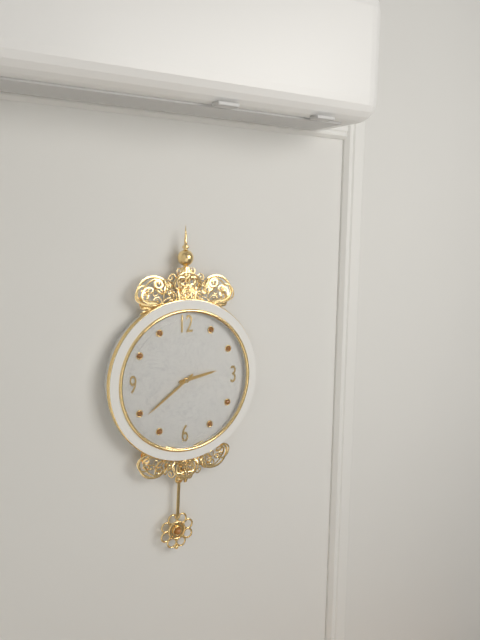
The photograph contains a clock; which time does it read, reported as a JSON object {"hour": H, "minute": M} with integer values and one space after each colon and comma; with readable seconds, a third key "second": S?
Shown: {"hour": 2, "minute": 39}
